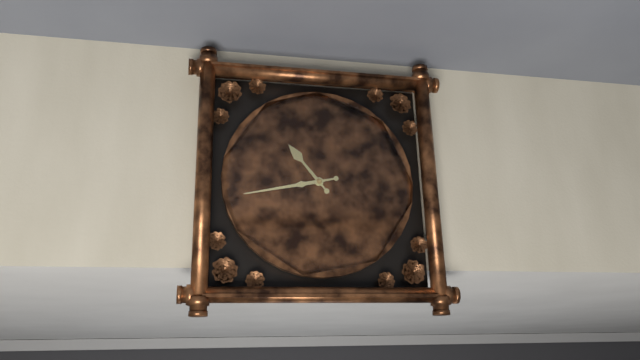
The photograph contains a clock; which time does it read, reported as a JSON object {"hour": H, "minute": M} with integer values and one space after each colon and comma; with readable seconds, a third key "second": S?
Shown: {"hour": 10, "minute": 43}
